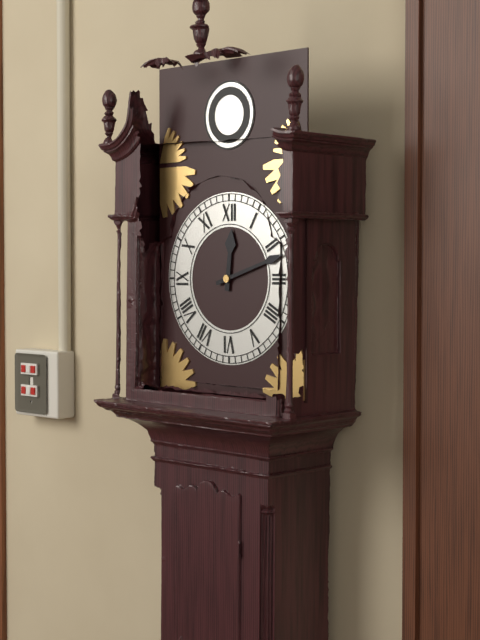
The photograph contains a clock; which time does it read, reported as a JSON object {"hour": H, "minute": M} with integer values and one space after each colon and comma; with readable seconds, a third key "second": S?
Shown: {"hour": 12, "minute": 12}
